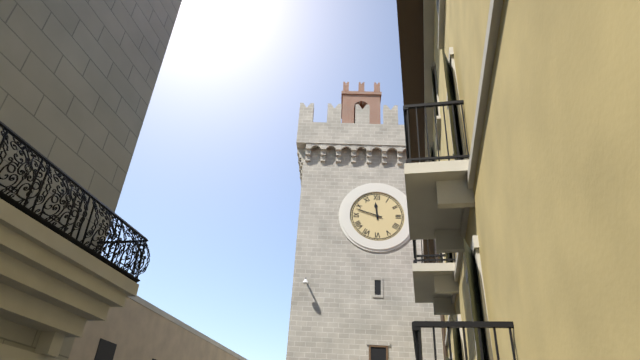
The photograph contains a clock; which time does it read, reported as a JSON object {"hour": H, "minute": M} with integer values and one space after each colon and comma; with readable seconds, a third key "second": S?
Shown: {"hour": 11, "minute": 48}
